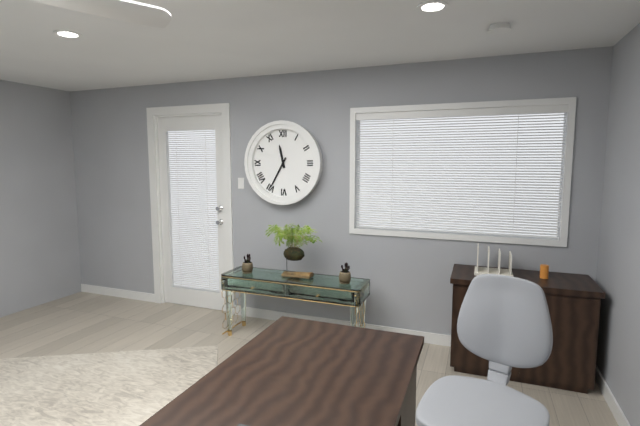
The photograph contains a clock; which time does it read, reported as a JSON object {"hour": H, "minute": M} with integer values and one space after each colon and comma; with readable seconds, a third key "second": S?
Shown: {"hour": 11, "minute": 35}
